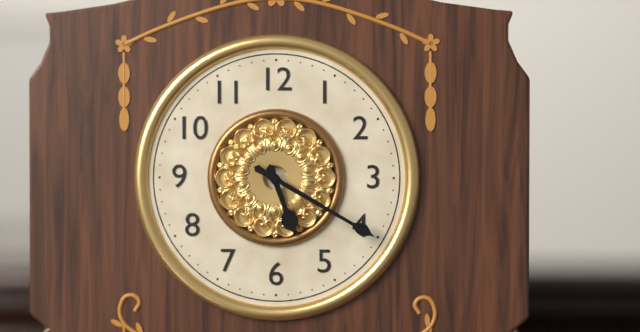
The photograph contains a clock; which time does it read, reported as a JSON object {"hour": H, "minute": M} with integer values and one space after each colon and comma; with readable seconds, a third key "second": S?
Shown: {"hour": 5, "minute": 20}
